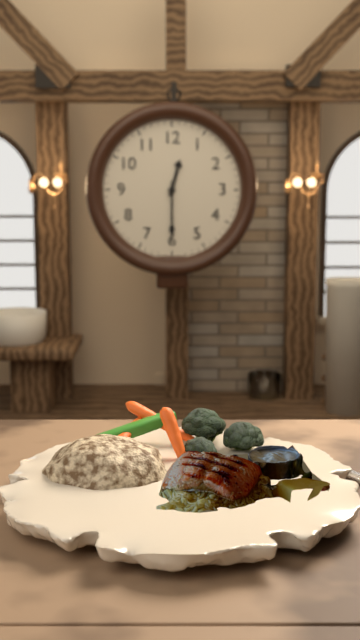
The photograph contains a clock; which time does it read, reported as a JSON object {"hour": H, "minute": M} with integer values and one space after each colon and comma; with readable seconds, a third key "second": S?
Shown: {"hour": 12, "minute": 30}
